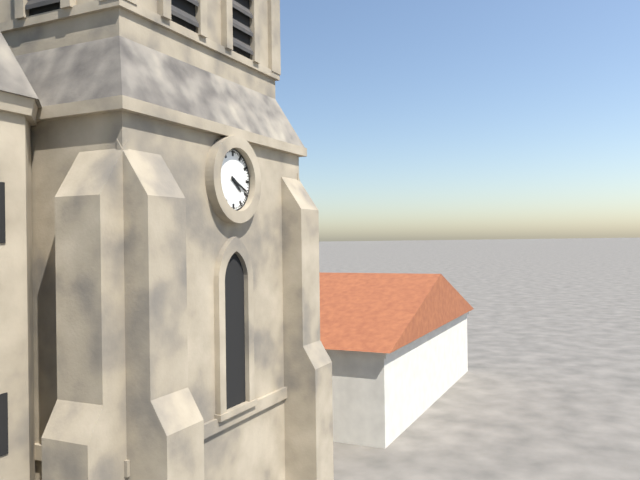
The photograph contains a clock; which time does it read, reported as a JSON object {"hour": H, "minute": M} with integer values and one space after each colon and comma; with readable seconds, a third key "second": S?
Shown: {"hour": 4, "minute": 19}
